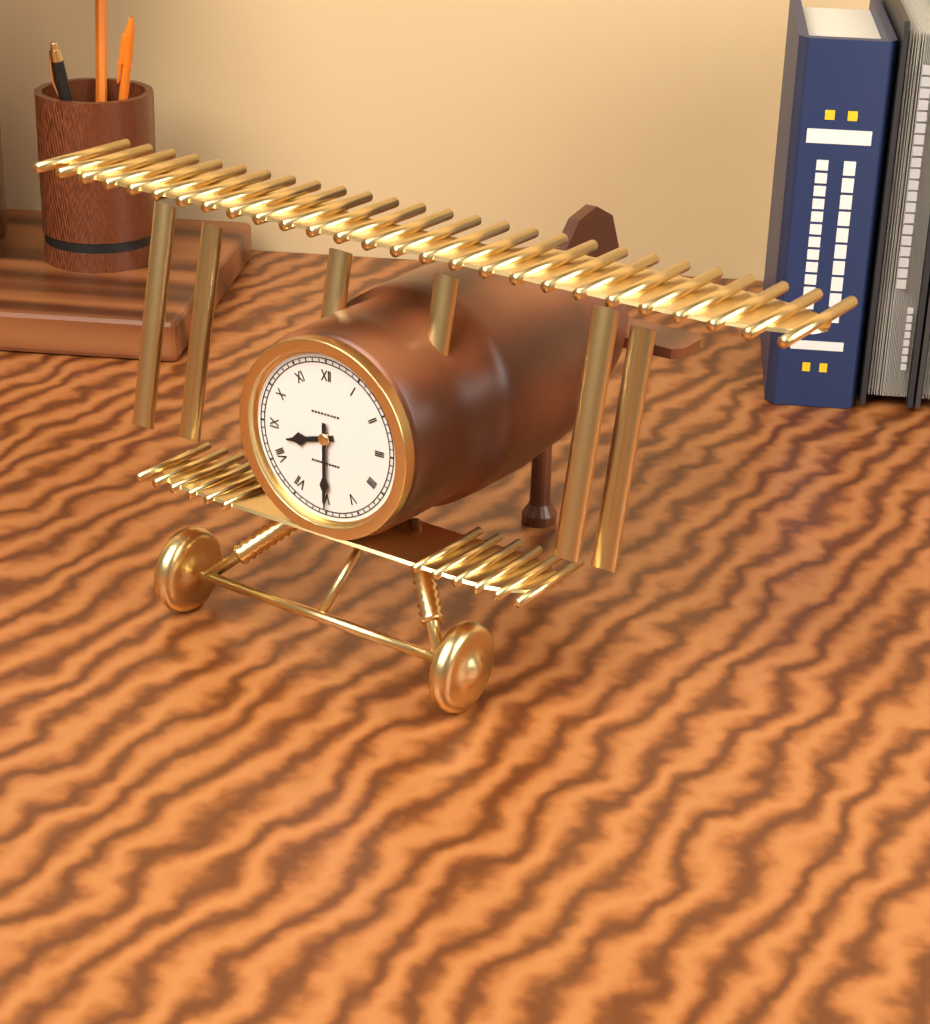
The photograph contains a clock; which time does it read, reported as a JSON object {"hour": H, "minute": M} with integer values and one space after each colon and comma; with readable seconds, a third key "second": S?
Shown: {"hour": 8, "minute": 30}
